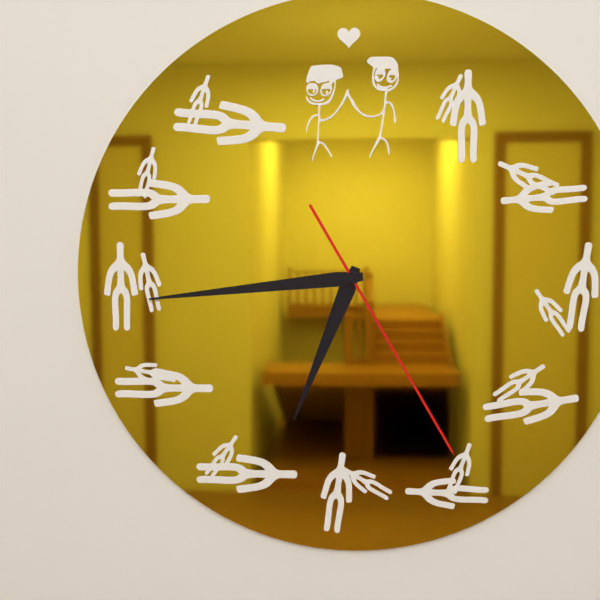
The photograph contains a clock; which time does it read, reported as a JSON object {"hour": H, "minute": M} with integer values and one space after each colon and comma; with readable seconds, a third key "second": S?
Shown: {"hour": 6, "minute": 44, "second": 25}
